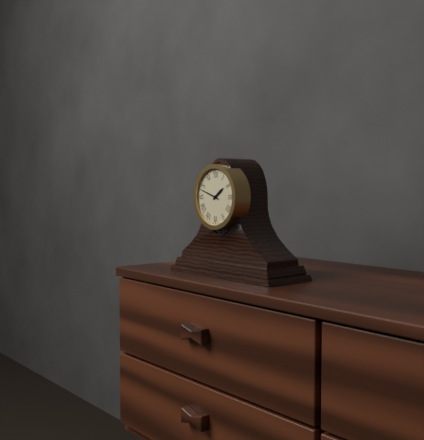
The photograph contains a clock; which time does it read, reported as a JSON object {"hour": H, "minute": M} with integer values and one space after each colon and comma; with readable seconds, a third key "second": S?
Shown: {"hour": 1, "minute": 48}
